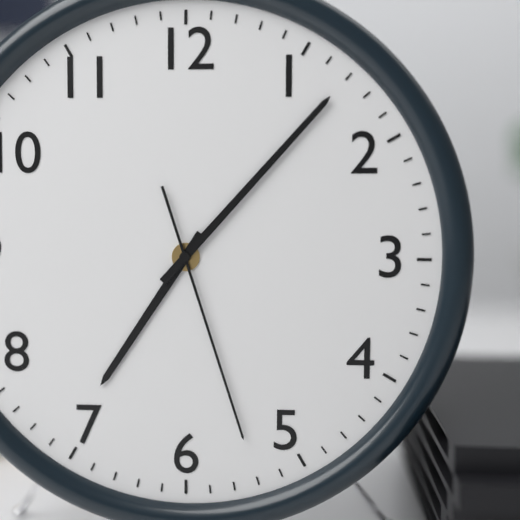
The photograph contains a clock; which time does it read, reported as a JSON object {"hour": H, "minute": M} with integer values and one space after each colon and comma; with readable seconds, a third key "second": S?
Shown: {"hour": 7, "minute": 7, "second": 27}
